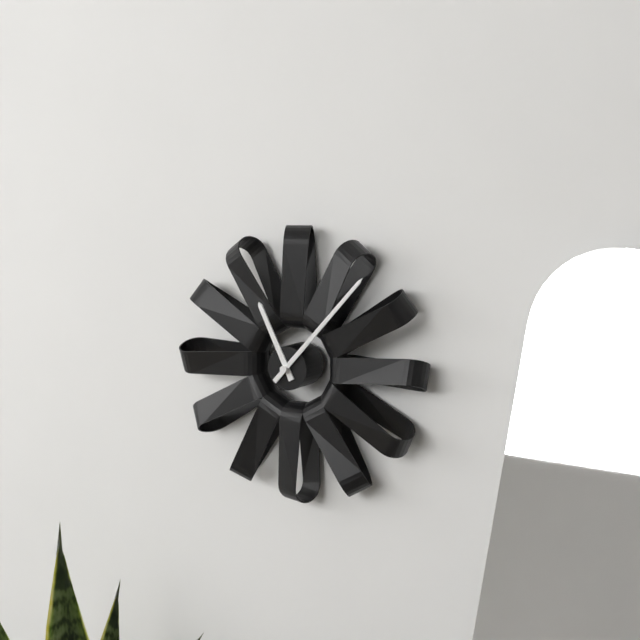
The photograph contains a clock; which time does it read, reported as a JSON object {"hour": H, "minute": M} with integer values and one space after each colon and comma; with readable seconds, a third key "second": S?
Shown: {"hour": 11, "minute": 7}
